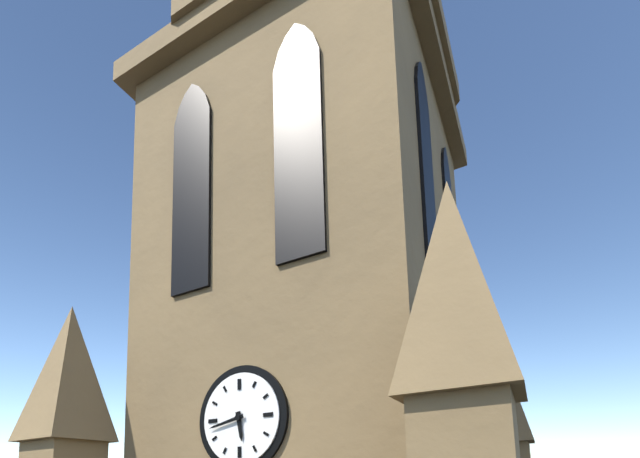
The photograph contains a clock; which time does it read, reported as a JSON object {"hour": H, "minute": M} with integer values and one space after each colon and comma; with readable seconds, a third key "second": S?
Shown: {"hour": 5, "minute": 43}
